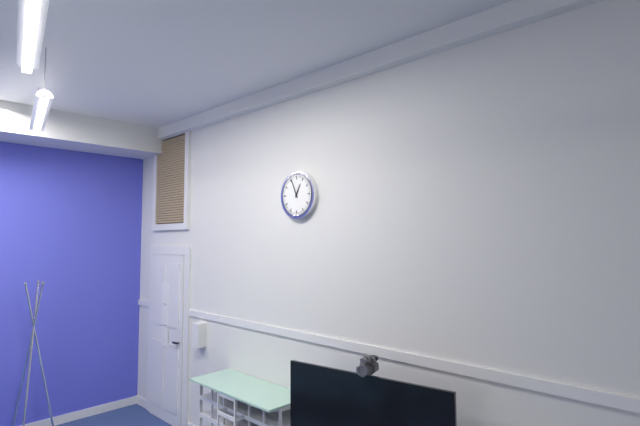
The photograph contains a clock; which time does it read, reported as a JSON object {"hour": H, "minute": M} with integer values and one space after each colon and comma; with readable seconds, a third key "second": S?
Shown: {"hour": 12, "minute": 56}
